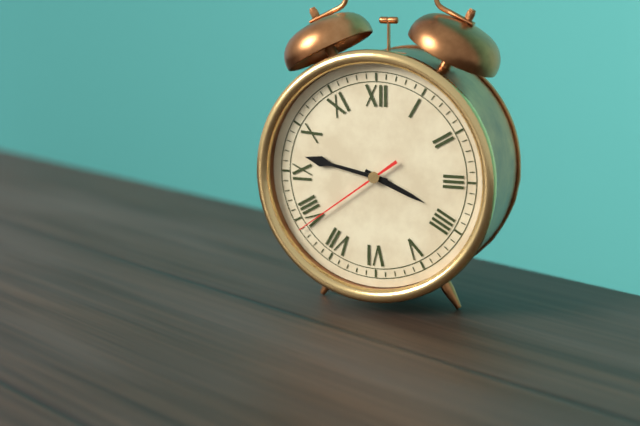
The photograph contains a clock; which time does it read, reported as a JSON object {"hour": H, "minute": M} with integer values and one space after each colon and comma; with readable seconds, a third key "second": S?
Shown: {"hour": 3, "minute": 47, "second": 39}
